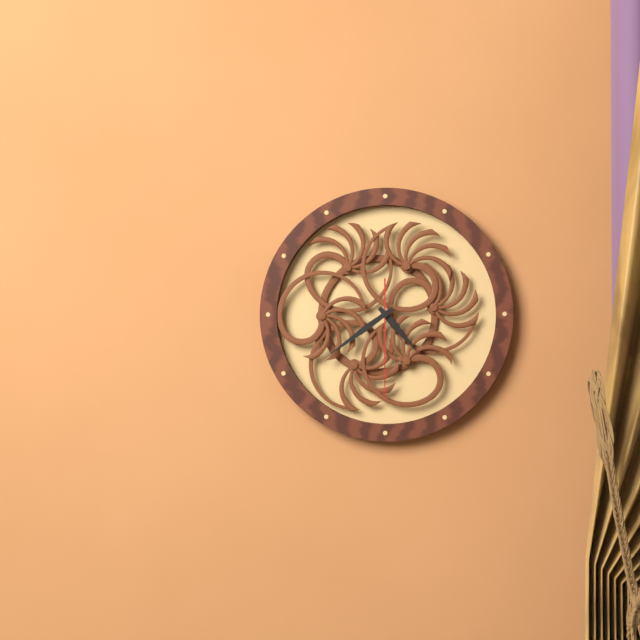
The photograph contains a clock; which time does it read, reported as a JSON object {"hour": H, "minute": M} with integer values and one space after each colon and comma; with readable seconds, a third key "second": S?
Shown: {"hour": 4, "minute": 39, "second": 30}
